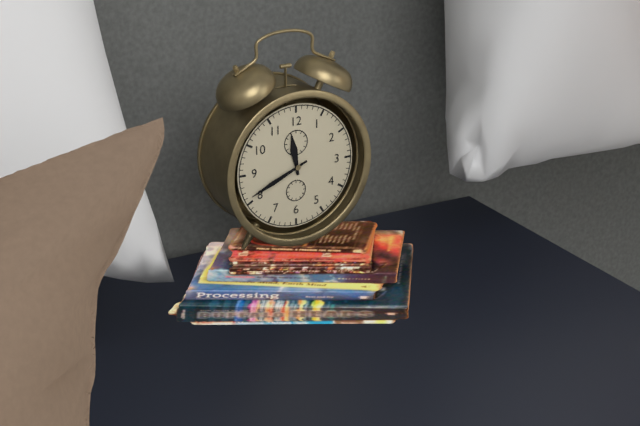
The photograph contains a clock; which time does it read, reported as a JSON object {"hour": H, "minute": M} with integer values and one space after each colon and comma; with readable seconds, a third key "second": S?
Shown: {"hour": 11, "minute": 41}
